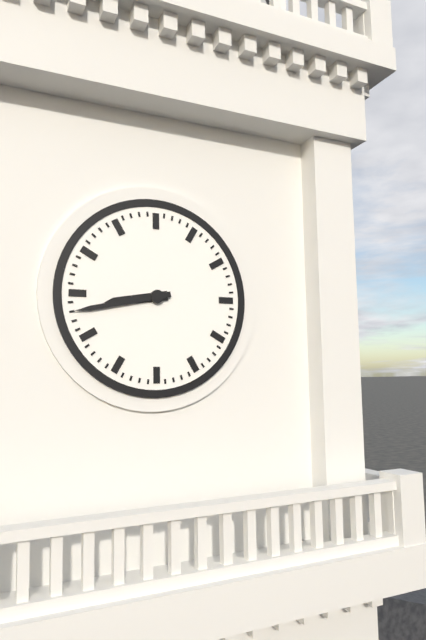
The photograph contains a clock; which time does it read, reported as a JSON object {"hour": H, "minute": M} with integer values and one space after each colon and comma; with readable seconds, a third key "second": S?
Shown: {"hour": 8, "minute": 43}
